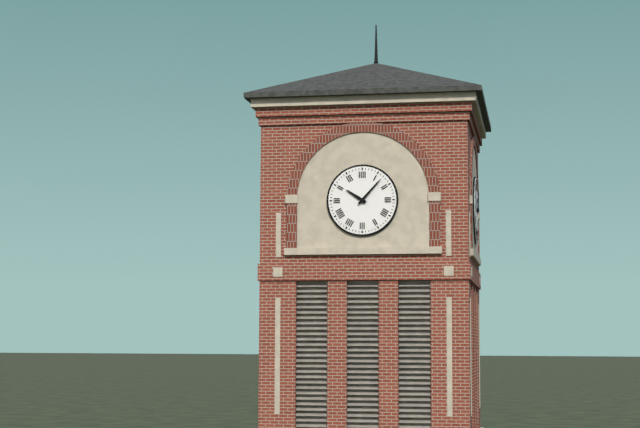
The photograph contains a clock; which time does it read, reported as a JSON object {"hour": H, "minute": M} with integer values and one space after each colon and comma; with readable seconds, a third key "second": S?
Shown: {"hour": 10, "minute": 7}
